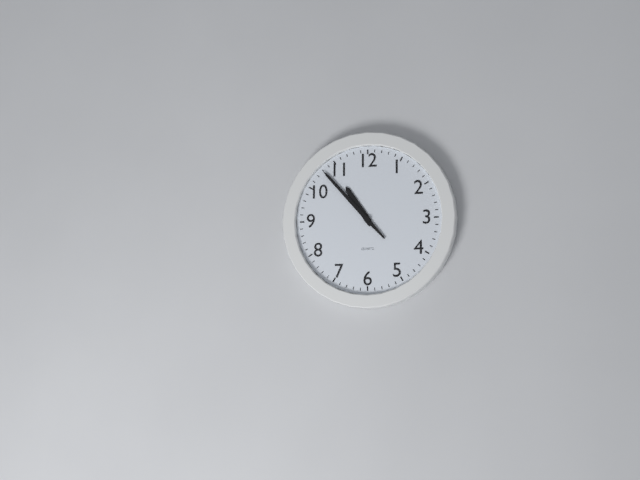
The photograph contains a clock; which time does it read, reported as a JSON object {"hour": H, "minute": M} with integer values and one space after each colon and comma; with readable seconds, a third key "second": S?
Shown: {"hour": 10, "minute": 53}
